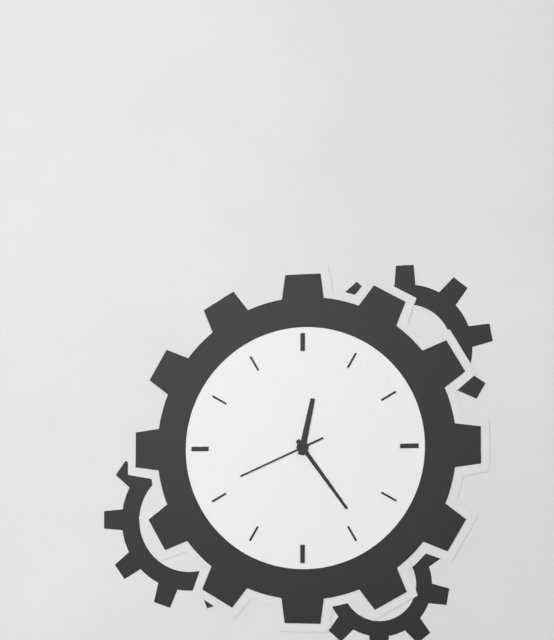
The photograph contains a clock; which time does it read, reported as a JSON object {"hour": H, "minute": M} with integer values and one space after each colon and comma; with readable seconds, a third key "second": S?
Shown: {"hour": 12, "minute": 24, "second": 41}
